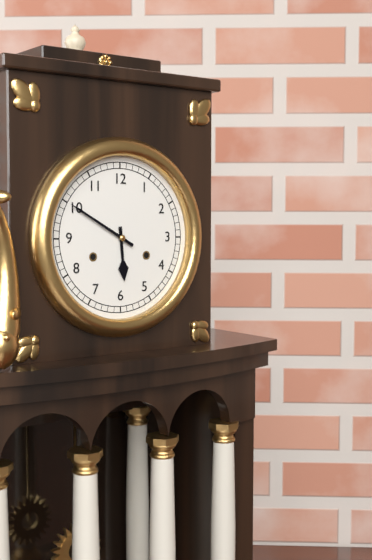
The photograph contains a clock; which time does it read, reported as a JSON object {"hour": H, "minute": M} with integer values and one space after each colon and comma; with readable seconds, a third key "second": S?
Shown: {"hour": 5, "minute": 50}
